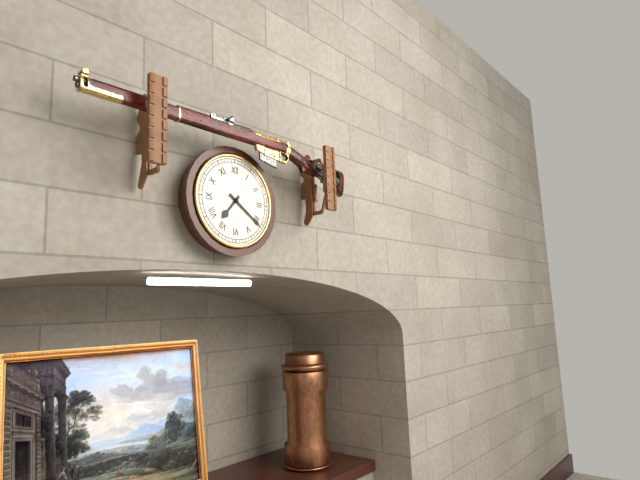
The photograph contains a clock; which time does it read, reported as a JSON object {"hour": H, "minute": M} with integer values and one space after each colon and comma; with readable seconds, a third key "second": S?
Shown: {"hour": 7, "minute": 21}
